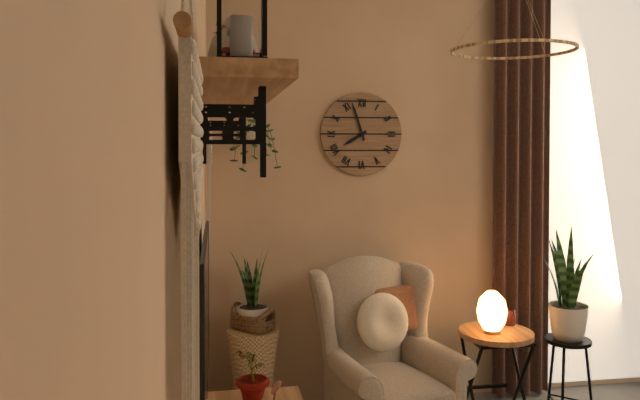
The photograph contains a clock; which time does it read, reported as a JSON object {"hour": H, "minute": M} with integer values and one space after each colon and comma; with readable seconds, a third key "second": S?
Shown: {"hour": 7, "minute": 57}
